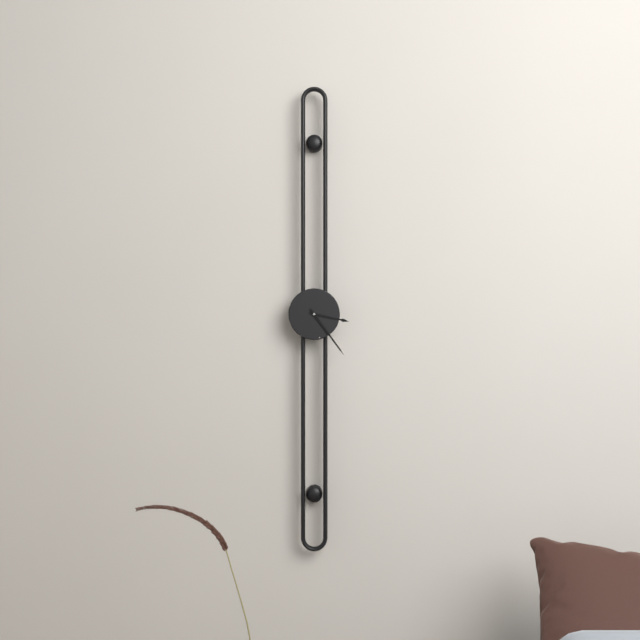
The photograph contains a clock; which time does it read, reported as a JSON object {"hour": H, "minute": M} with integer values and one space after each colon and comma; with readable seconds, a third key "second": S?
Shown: {"hour": 3, "minute": 24}
